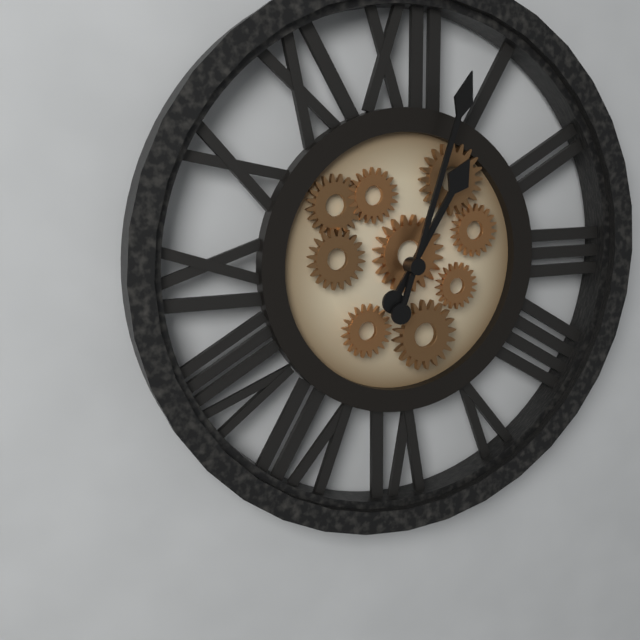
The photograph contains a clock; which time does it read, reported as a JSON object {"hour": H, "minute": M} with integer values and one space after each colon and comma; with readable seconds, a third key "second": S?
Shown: {"hour": 1, "minute": 3}
